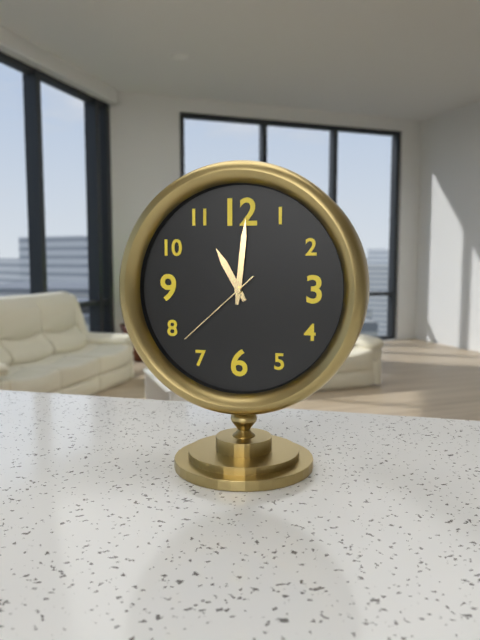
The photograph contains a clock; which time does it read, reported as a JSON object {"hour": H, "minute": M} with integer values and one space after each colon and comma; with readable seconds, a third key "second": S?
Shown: {"hour": 11, "minute": 1, "second": 38}
